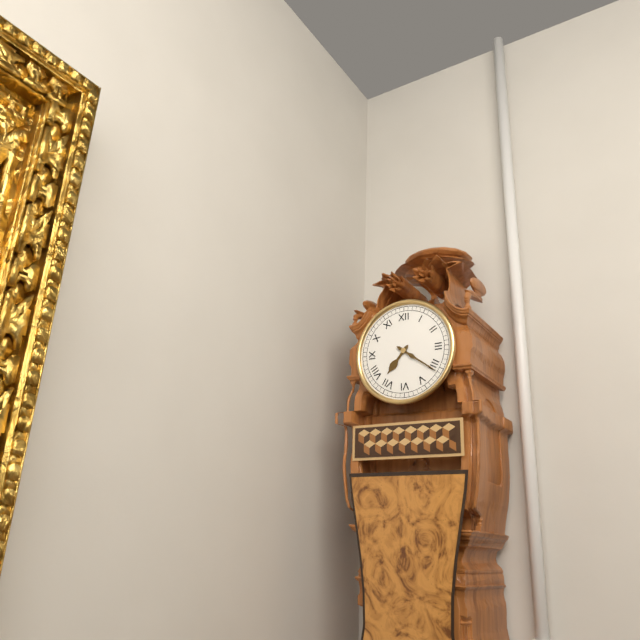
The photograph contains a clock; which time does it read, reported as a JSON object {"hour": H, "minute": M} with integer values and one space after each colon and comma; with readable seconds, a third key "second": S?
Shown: {"hour": 7, "minute": 21}
